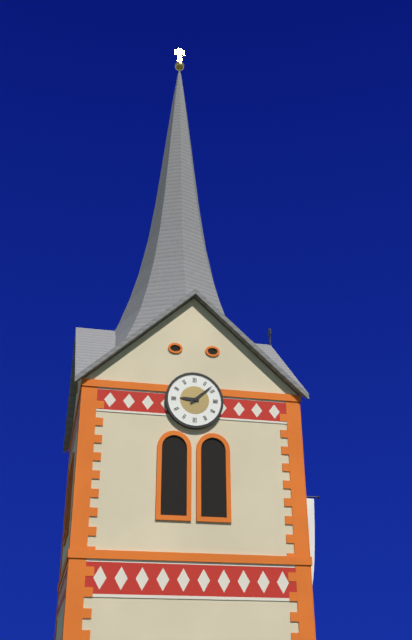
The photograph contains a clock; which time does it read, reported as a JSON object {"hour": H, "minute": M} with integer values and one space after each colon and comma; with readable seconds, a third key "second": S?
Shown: {"hour": 9, "minute": 8}
